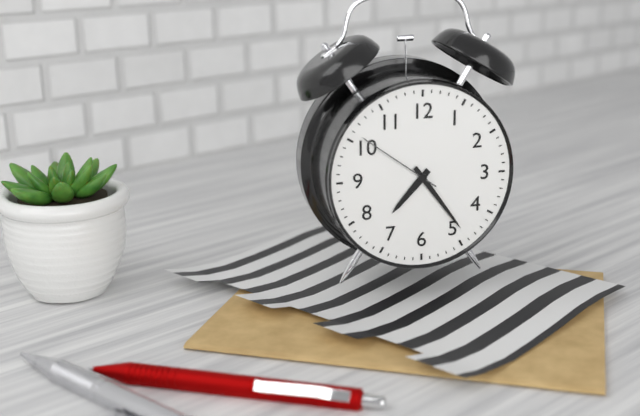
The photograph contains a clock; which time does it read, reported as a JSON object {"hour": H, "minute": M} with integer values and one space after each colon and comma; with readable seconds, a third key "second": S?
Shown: {"hour": 7, "minute": 24, "second": 51}
